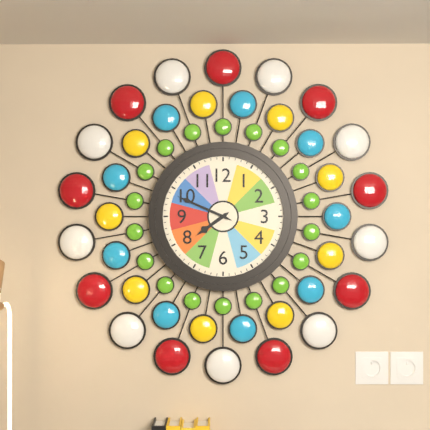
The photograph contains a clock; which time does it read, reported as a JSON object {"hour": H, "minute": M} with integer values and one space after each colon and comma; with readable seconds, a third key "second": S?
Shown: {"hour": 7, "minute": 49}
